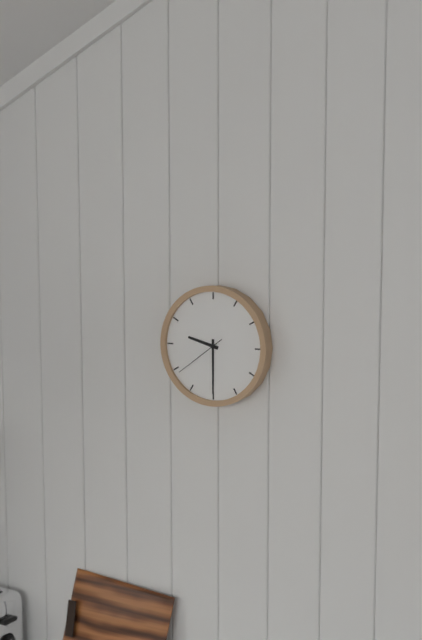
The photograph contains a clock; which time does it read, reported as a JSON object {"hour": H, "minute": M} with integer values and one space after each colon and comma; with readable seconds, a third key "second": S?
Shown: {"hour": 9, "minute": 30, "second": 39}
